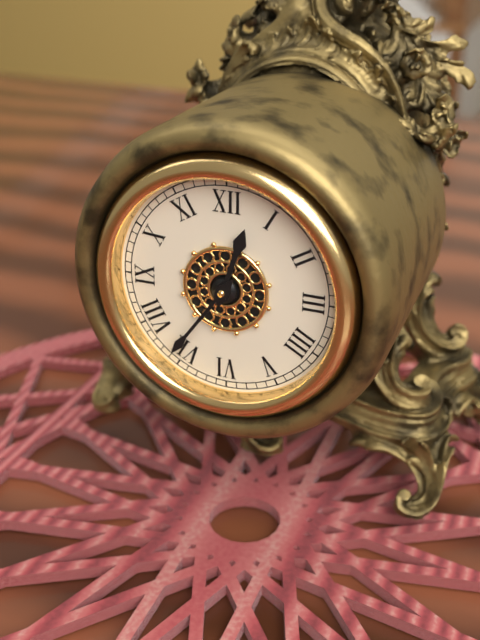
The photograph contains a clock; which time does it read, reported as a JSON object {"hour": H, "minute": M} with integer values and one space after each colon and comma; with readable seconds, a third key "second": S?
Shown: {"hour": 12, "minute": 36}
